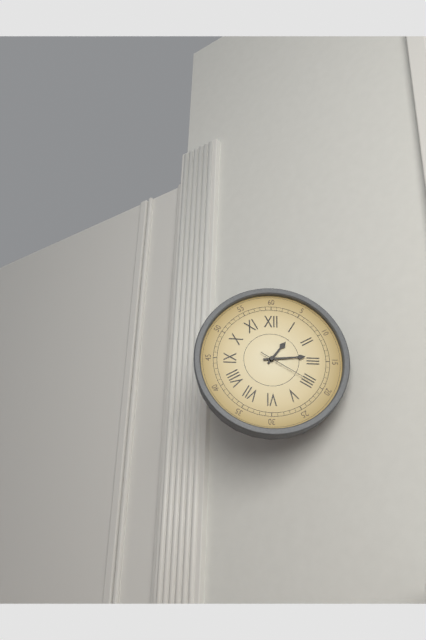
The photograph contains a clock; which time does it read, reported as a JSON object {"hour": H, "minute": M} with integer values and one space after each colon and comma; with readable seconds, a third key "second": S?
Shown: {"hour": 1, "minute": 14, "second": 20}
